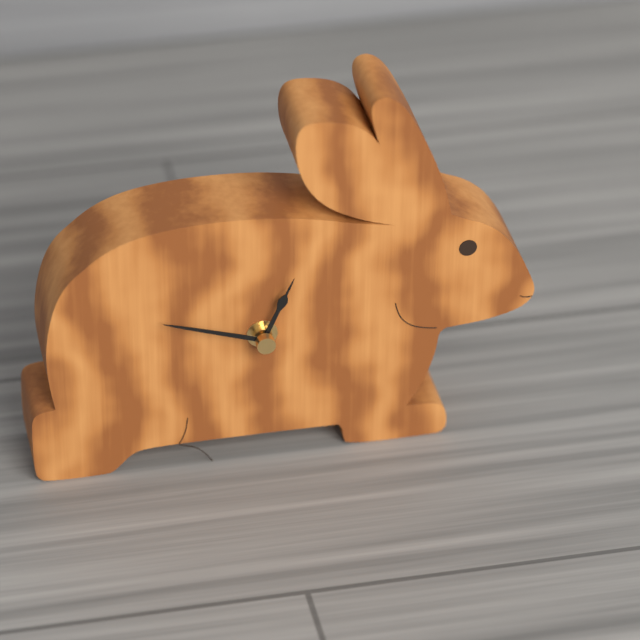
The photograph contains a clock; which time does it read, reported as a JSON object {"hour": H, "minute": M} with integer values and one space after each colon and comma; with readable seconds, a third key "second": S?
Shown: {"hour": 12, "minute": 48}
